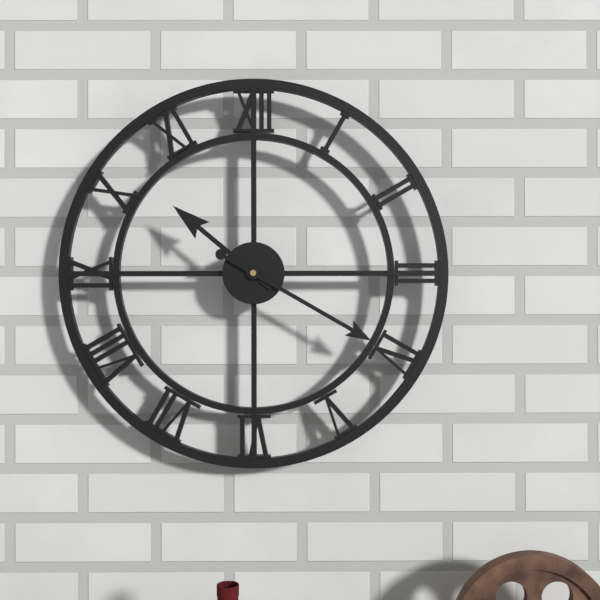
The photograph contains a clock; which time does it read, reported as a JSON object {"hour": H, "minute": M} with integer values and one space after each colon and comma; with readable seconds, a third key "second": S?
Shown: {"hour": 10, "minute": 20}
